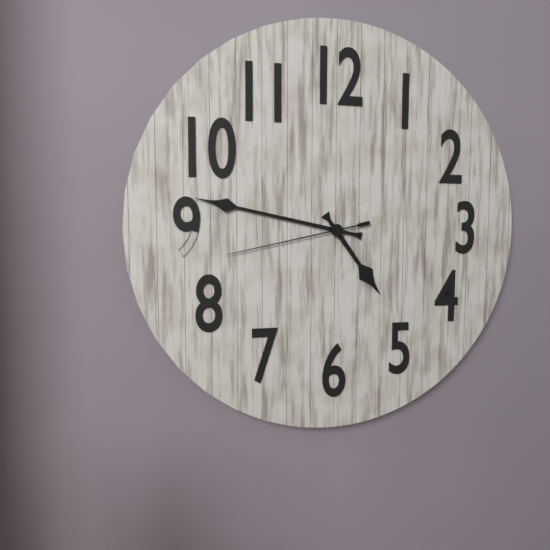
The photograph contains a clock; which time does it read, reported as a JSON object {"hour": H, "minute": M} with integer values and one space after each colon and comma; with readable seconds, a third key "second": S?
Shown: {"hour": 4, "minute": 47, "second": 43}
